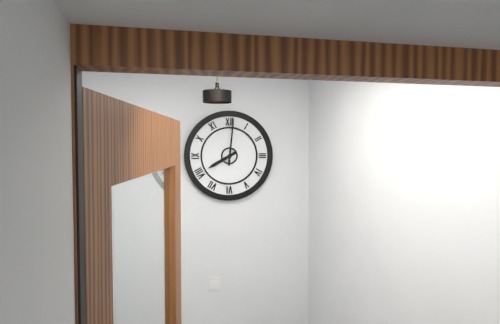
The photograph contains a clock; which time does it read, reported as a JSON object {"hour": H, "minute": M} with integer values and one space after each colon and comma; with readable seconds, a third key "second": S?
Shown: {"hour": 8, "minute": 1}
